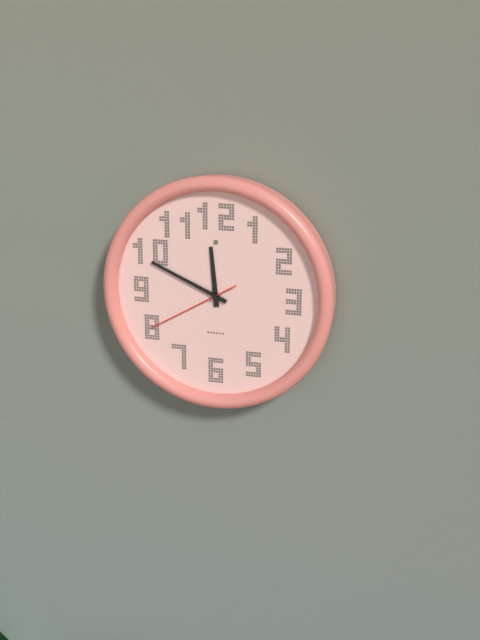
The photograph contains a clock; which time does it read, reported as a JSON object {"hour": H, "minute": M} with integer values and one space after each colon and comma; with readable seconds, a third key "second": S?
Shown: {"hour": 11, "minute": 49, "second": 40}
